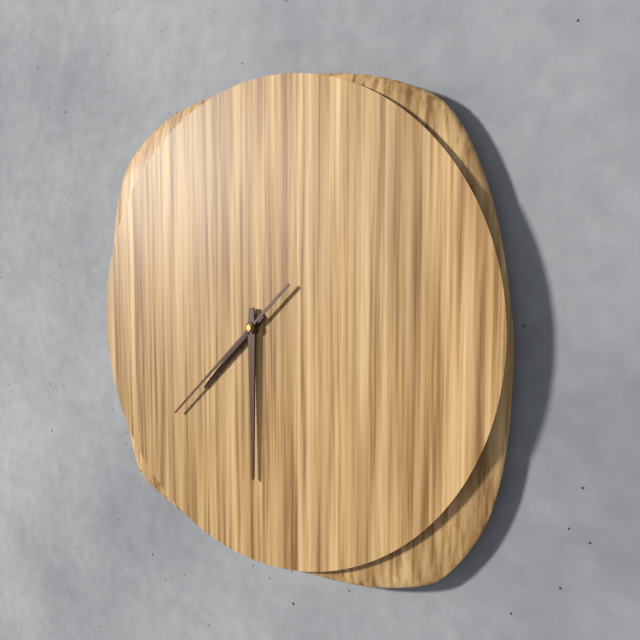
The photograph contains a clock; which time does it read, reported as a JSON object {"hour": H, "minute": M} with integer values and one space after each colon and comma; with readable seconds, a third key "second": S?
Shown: {"hour": 7, "minute": 30, "second": 38}
